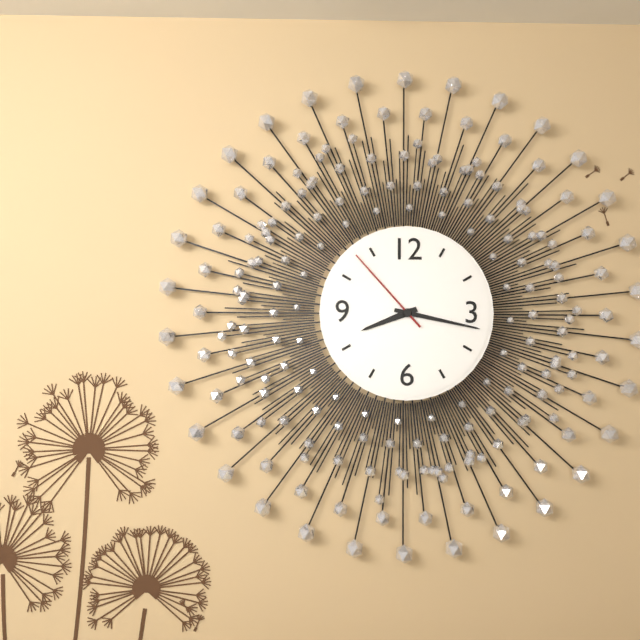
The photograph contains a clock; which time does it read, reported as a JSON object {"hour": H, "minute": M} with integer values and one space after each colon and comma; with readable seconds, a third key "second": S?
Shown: {"hour": 8, "minute": 17, "second": 53}
